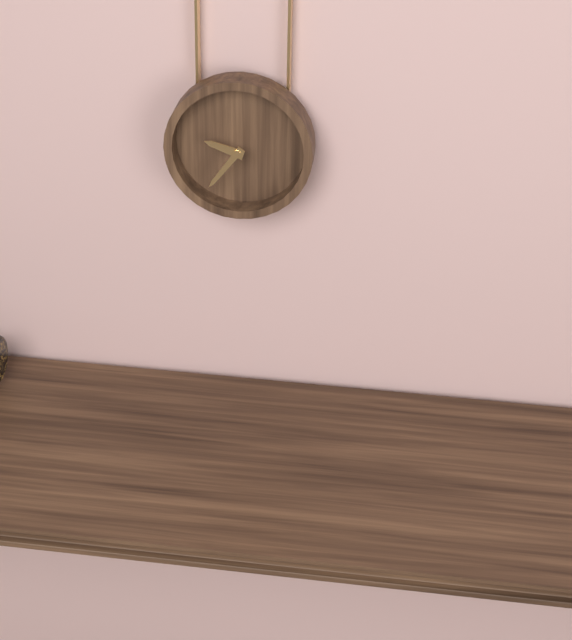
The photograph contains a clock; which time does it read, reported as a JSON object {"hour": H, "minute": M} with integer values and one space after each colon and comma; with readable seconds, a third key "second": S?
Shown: {"hour": 9, "minute": 36}
